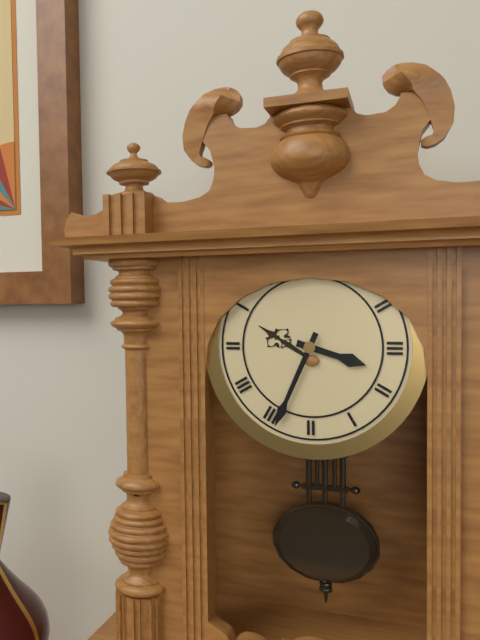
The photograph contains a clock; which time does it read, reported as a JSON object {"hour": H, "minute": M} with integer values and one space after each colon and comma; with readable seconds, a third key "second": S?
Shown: {"hour": 3, "minute": 34}
